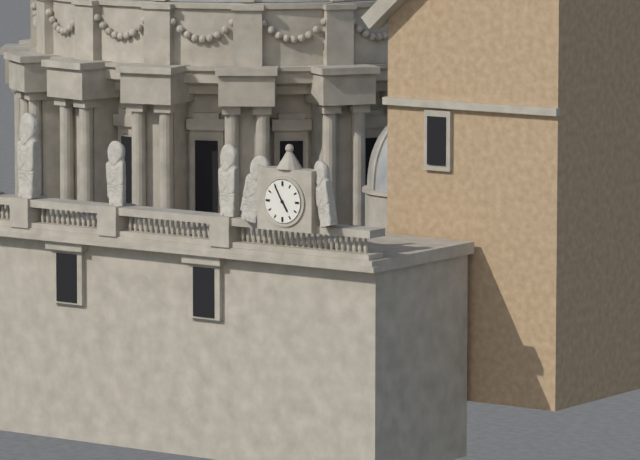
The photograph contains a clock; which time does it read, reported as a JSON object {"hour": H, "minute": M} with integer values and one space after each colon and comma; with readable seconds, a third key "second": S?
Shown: {"hour": 4, "minute": 55}
